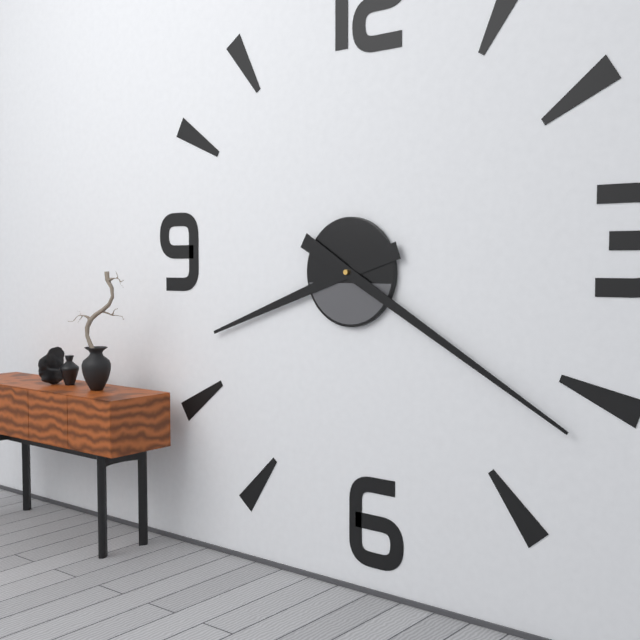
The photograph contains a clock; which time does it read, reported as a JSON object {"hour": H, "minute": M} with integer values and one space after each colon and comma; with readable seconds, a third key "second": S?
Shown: {"hour": 8, "minute": 20}
